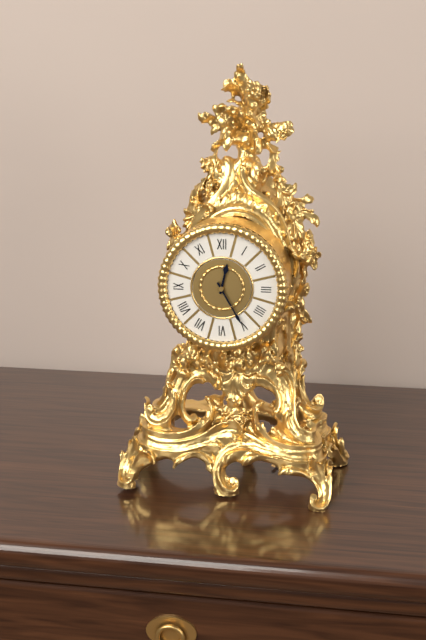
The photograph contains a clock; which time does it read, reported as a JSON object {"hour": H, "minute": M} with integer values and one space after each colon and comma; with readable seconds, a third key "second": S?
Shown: {"hour": 12, "minute": 25}
